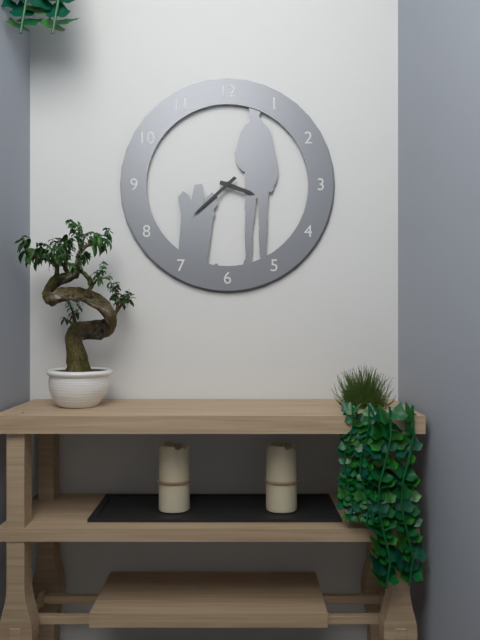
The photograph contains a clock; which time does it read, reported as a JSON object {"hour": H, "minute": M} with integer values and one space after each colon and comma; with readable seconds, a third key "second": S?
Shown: {"hour": 3, "minute": 38}
